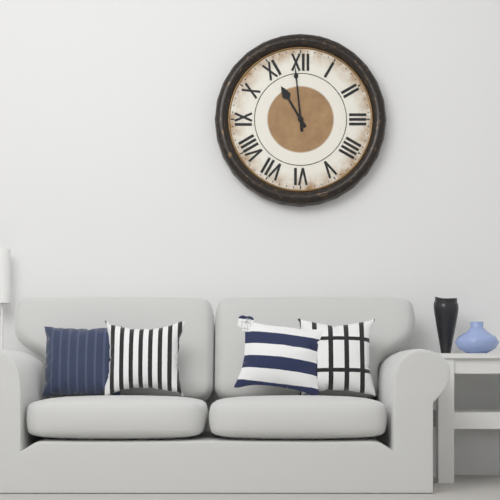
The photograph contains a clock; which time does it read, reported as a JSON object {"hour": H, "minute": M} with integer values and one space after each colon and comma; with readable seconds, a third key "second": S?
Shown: {"hour": 10, "minute": 59}
